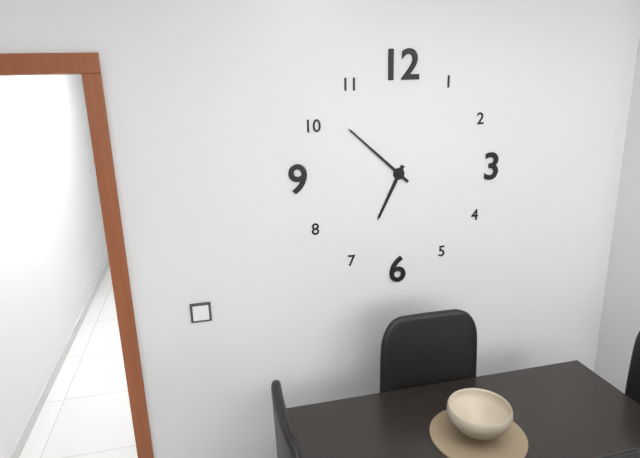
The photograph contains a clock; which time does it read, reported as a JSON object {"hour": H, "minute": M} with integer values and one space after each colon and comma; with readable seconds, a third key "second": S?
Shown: {"hour": 6, "minute": 52}
